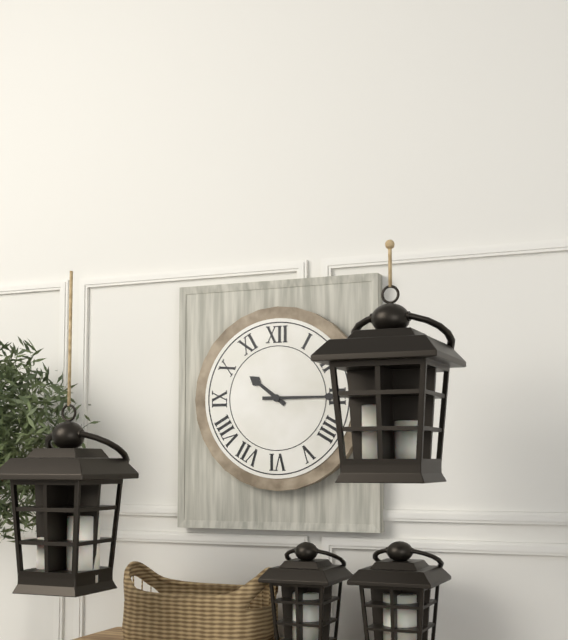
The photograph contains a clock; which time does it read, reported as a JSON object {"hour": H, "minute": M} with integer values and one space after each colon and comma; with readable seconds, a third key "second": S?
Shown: {"hour": 10, "minute": 15}
